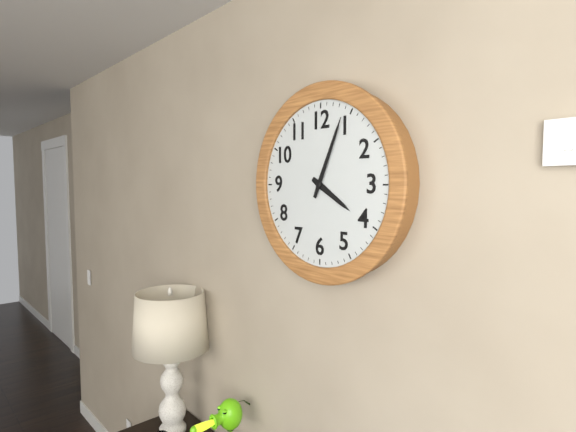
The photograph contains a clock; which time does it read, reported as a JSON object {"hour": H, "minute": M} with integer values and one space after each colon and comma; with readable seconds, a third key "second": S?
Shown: {"hour": 4, "minute": 4}
